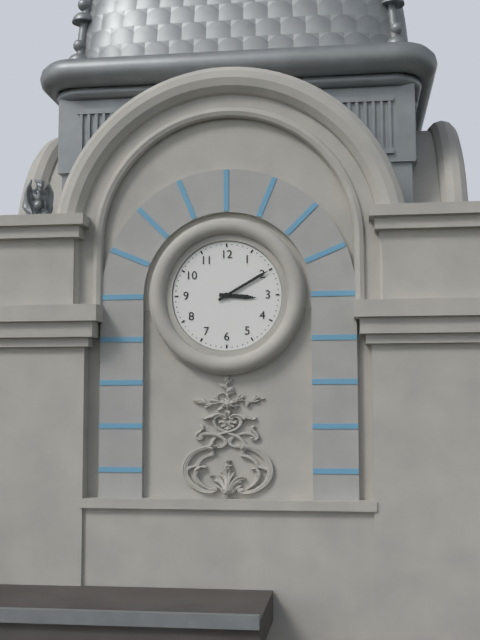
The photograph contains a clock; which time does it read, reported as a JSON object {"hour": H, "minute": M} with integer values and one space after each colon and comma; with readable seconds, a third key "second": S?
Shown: {"hour": 3, "minute": 10}
